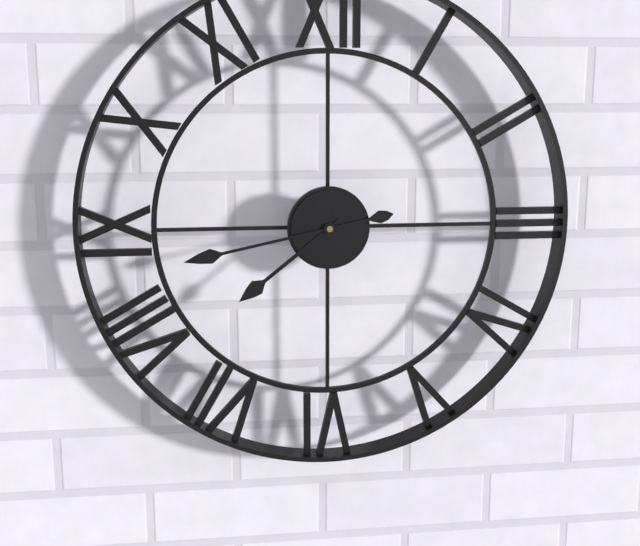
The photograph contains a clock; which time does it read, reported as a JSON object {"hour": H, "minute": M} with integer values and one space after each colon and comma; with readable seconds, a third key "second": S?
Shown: {"hour": 7, "minute": 43}
